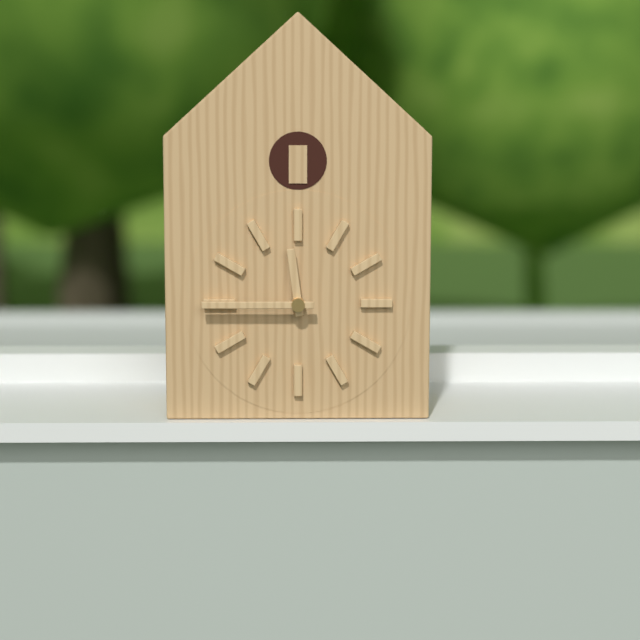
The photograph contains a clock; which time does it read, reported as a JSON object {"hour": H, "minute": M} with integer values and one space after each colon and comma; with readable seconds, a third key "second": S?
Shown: {"hour": 11, "minute": 45}
